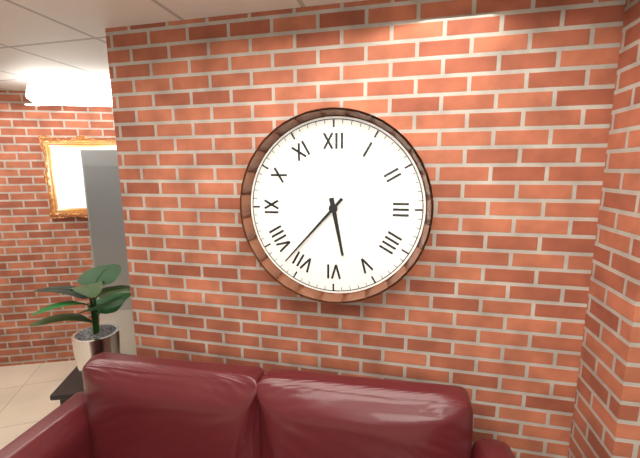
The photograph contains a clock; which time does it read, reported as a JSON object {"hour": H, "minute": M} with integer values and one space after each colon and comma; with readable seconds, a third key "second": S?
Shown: {"hour": 5, "minute": 37}
